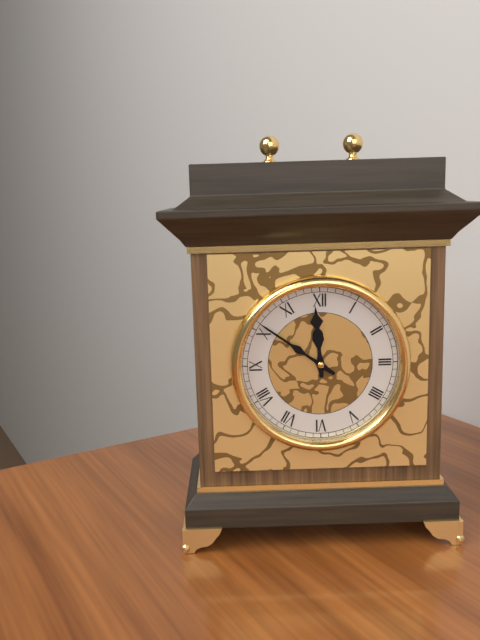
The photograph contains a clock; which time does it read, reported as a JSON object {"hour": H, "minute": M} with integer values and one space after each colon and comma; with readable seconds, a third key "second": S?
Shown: {"hour": 11, "minute": 51}
